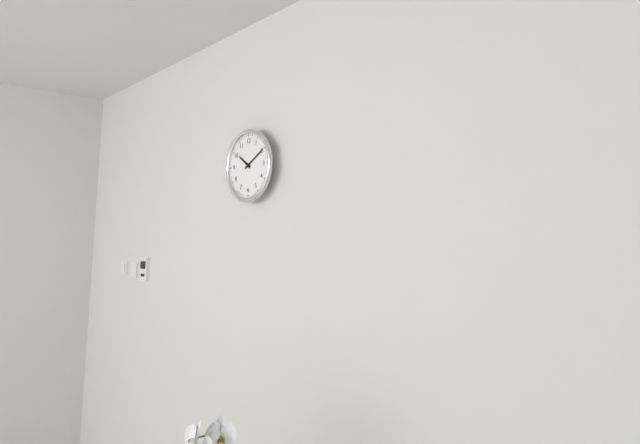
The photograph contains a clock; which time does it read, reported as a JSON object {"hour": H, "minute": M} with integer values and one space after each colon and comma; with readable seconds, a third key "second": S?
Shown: {"hour": 10, "minute": 10}
